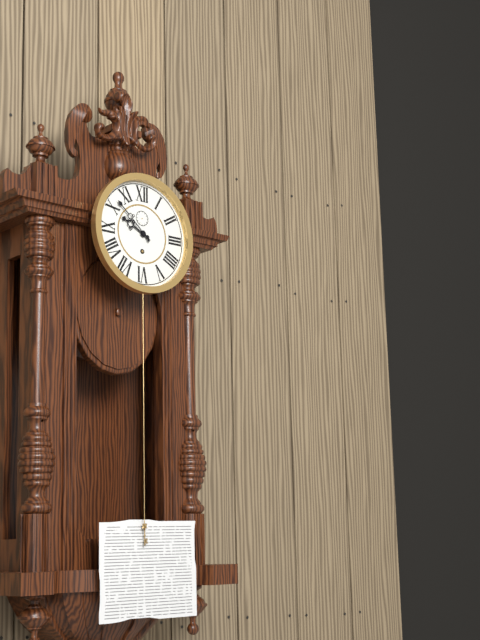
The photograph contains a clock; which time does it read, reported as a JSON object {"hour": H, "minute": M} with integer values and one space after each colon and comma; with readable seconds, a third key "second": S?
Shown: {"hour": 9, "minute": 52}
